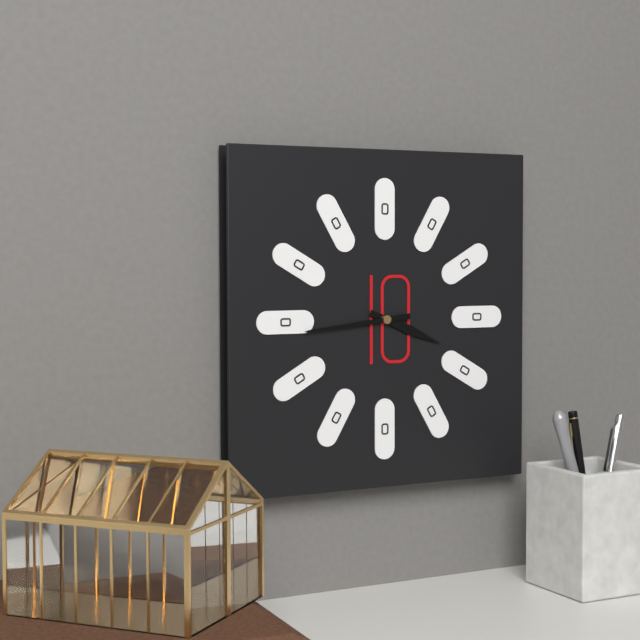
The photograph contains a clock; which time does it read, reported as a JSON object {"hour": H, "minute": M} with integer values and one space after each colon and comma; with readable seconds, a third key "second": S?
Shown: {"hour": 3, "minute": 44}
